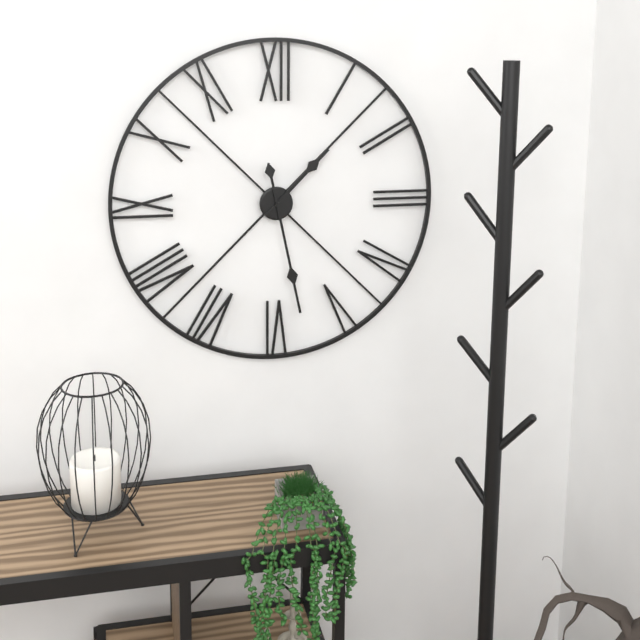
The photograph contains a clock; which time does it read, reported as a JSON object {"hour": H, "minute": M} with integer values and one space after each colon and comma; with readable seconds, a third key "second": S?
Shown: {"hour": 1, "minute": 28}
